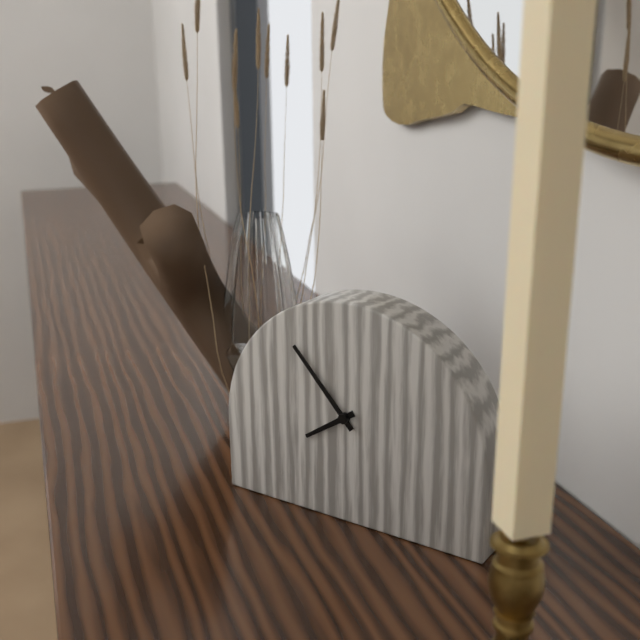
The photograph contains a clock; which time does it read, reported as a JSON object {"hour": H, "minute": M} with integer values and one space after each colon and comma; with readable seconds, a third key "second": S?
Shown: {"hour": 7, "minute": 53}
